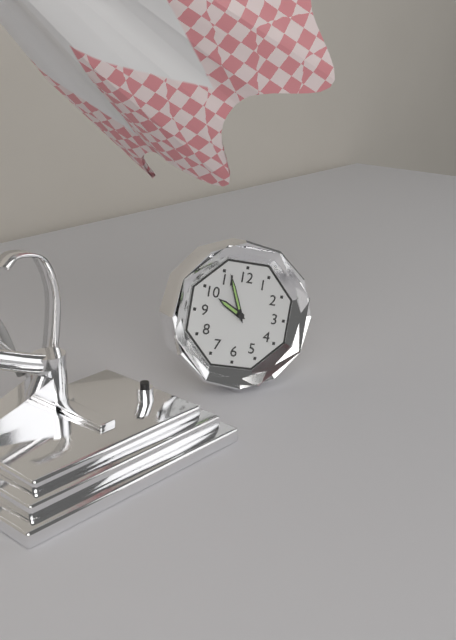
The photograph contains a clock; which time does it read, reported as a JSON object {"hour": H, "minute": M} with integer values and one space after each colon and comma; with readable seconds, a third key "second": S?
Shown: {"hour": 9, "minute": 56}
